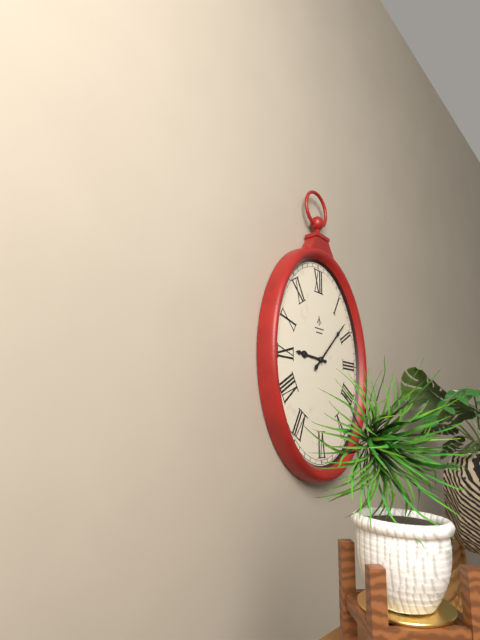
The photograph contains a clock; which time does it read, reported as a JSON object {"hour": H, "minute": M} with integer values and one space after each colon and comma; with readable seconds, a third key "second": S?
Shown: {"hour": 9, "minute": 8}
